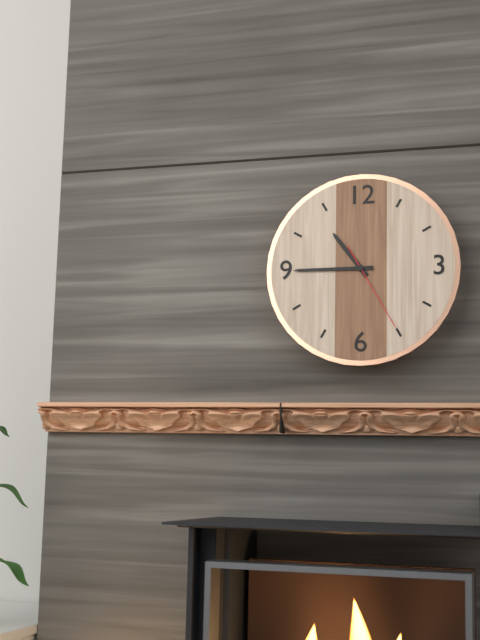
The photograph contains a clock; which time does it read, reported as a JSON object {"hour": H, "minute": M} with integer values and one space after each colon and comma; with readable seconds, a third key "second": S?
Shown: {"hour": 10, "minute": 45, "second": 25}
